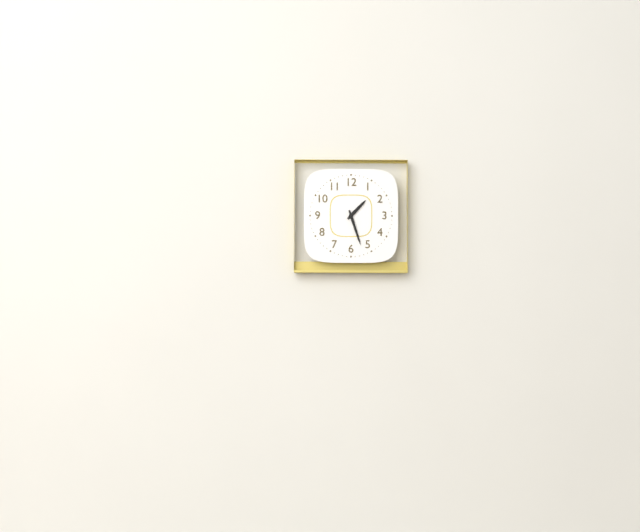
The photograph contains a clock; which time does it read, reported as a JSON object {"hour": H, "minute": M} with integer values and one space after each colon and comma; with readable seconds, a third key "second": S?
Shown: {"hour": 1, "minute": 27}
